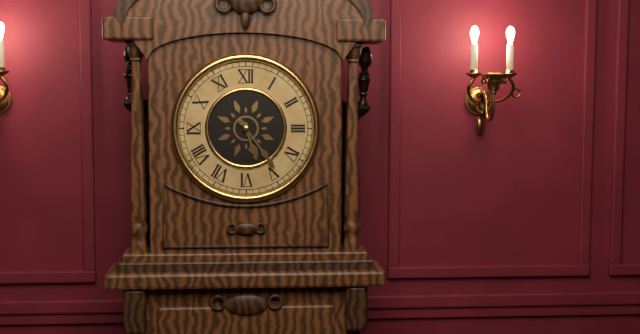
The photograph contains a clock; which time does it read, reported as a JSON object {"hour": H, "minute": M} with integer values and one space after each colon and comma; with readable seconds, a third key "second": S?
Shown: {"hour": 5, "minute": 24}
